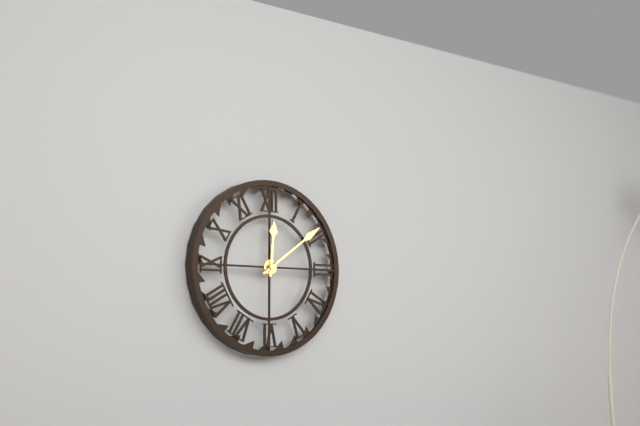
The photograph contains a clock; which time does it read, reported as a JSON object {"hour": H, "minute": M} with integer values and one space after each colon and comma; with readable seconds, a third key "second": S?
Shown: {"hour": 12, "minute": 9}
